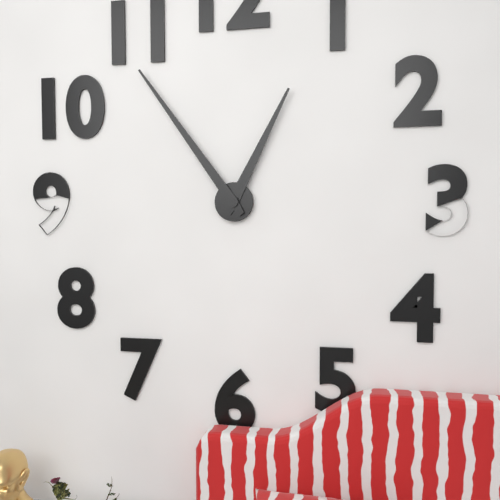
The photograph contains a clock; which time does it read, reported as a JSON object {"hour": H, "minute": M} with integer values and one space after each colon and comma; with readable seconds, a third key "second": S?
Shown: {"hour": 12, "minute": 54}
